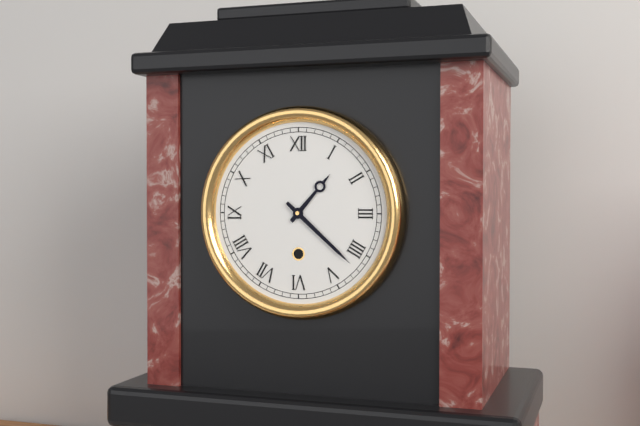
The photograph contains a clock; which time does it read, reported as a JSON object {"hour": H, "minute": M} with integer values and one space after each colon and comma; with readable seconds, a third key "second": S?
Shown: {"hour": 1, "minute": 22}
